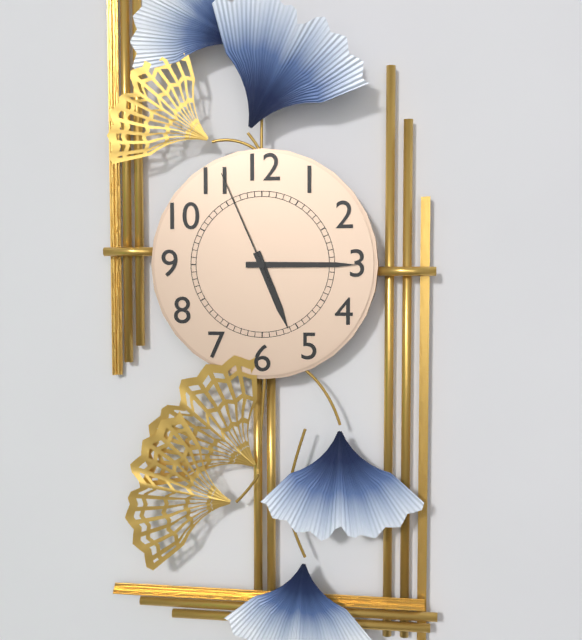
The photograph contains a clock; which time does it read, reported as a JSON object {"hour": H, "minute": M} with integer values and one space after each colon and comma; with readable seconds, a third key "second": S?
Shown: {"hour": 5, "minute": 15, "second": 56}
